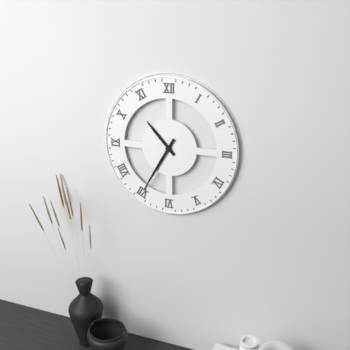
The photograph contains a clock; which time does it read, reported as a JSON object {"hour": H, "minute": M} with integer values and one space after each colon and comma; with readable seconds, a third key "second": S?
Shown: {"hour": 10, "minute": 35}
